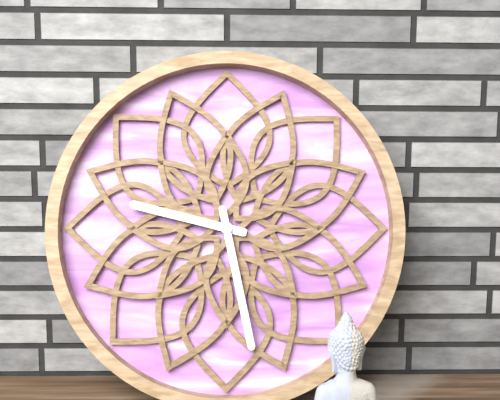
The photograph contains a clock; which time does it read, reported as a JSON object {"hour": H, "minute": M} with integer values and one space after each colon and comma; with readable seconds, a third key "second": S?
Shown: {"hour": 9, "minute": 28}
